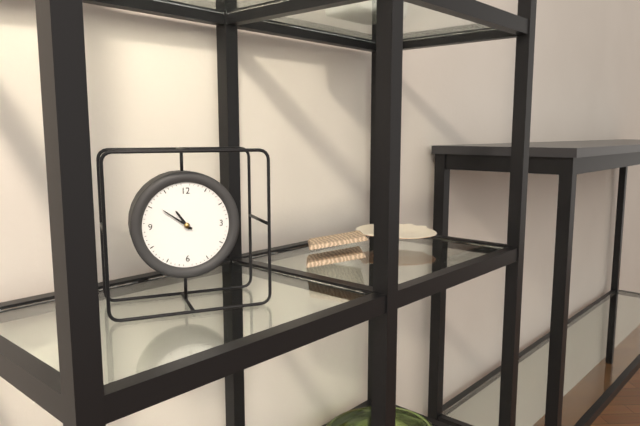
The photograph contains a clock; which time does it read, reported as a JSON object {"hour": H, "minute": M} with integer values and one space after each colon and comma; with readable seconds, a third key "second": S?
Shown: {"hour": 10, "minute": 51}
